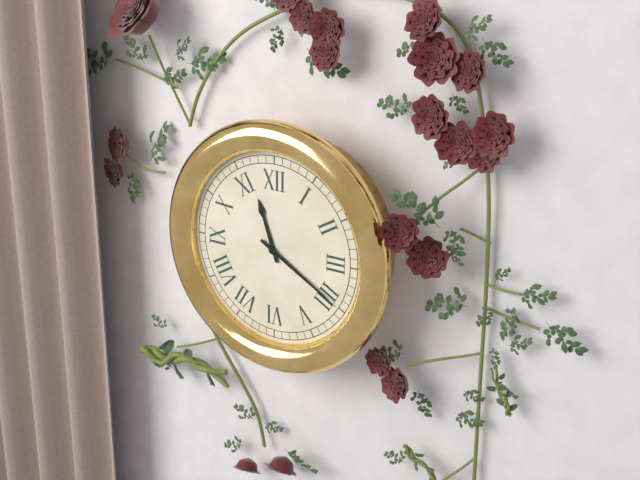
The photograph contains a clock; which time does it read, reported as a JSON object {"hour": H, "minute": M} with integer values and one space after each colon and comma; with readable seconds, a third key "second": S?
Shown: {"hour": 11, "minute": 20}
